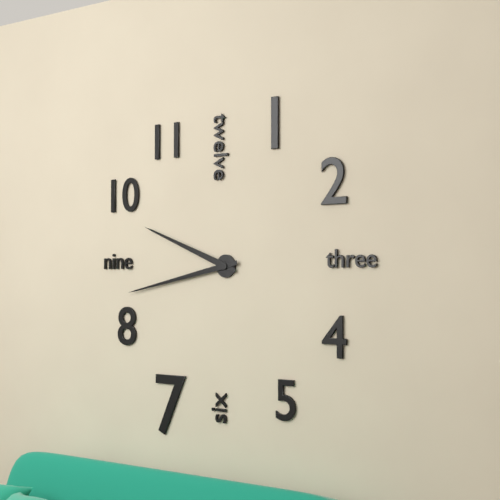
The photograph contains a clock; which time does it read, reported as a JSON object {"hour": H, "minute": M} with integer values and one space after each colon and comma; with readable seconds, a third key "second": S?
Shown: {"hour": 9, "minute": 43}
